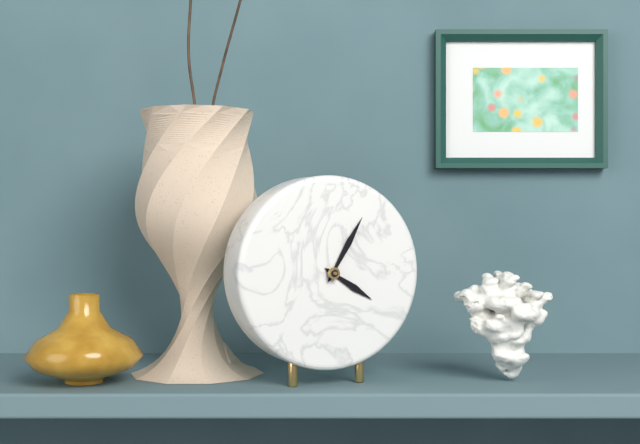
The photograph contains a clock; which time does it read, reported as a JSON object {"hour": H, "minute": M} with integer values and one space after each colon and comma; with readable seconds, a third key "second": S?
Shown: {"hour": 4, "minute": 5}
